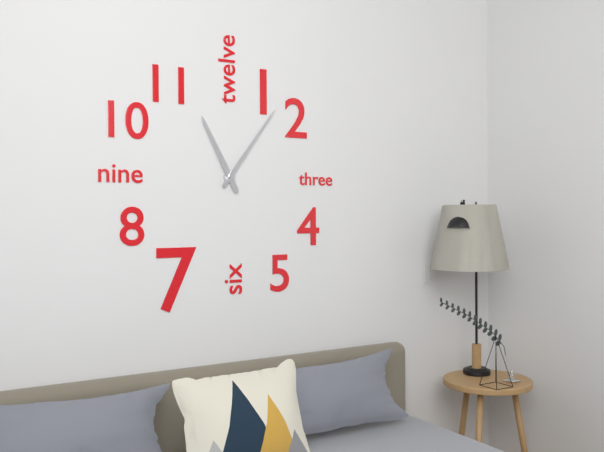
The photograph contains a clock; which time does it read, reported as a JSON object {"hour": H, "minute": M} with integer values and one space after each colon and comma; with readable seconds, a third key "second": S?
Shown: {"hour": 11, "minute": 6}
